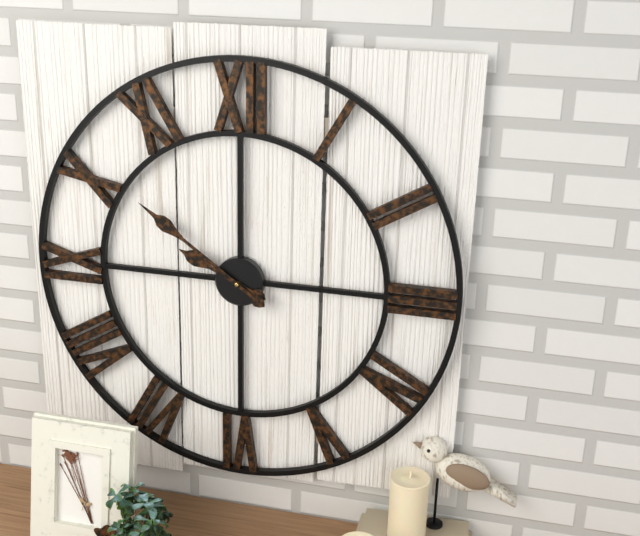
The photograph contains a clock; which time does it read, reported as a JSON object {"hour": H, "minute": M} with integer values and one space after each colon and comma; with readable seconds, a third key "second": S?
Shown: {"hour": 9, "minute": 51}
